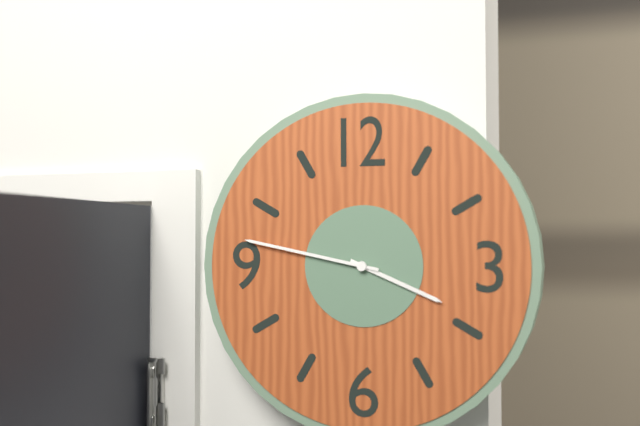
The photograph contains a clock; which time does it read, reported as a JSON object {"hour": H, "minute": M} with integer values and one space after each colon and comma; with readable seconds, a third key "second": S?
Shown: {"hour": 3, "minute": 47}
